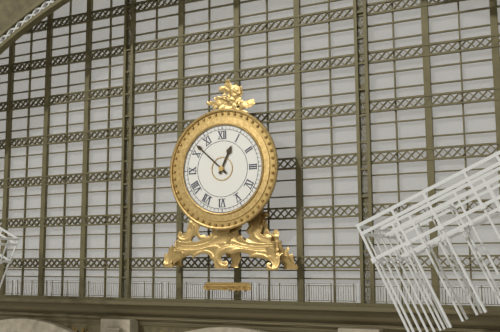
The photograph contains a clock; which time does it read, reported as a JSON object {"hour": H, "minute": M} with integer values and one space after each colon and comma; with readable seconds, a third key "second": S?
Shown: {"hour": 12, "minute": 52}
